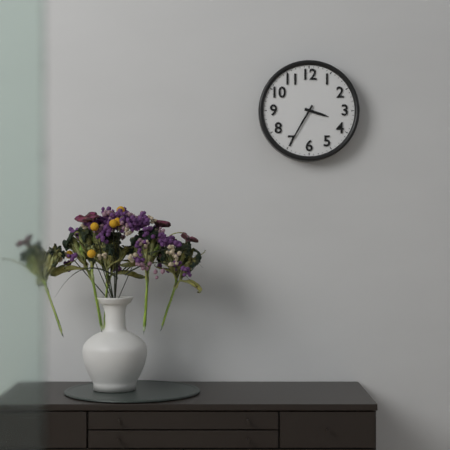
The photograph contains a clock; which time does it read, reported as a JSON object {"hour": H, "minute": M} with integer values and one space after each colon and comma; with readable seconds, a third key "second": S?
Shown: {"hour": 3, "minute": 35}
